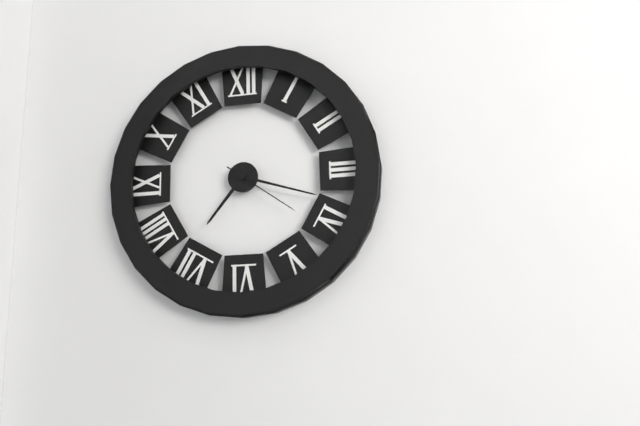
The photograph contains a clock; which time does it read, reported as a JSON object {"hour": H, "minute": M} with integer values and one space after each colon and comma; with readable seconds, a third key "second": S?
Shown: {"hour": 7, "minute": 18, "second": 21}
